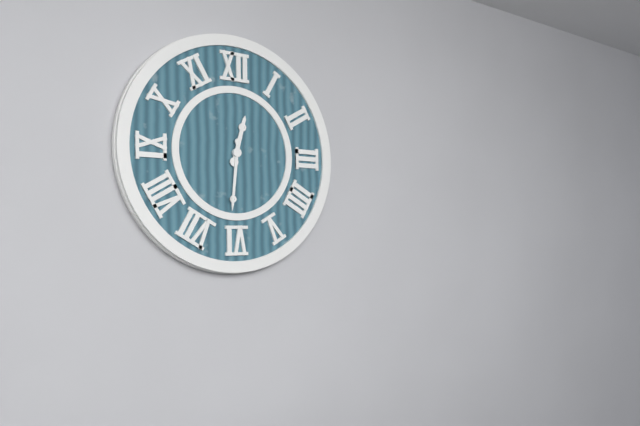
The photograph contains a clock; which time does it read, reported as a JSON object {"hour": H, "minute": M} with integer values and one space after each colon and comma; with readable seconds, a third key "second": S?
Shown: {"hour": 12, "minute": 31}
